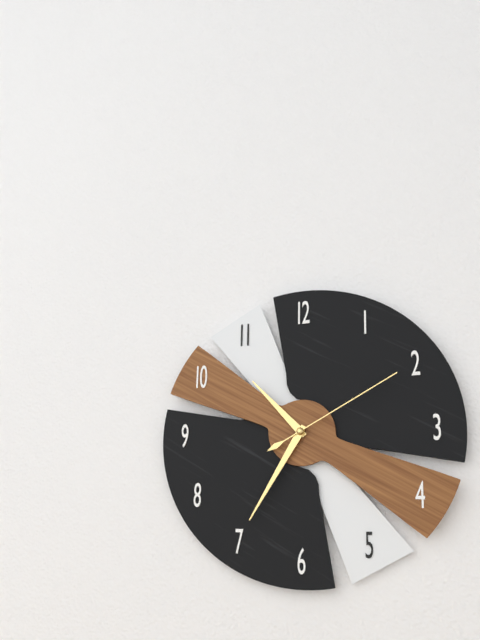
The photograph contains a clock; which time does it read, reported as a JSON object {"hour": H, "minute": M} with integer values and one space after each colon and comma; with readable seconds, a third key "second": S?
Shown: {"hour": 10, "minute": 35, "second": 10}
